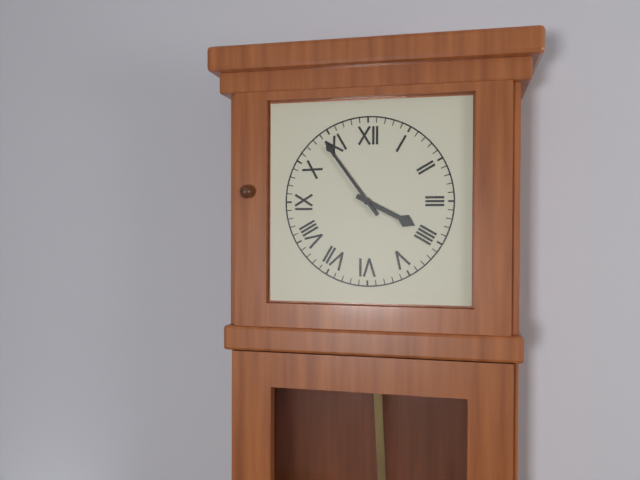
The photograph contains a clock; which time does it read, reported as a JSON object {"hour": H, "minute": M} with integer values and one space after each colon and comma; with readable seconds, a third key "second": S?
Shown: {"hour": 3, "minute": 54}
